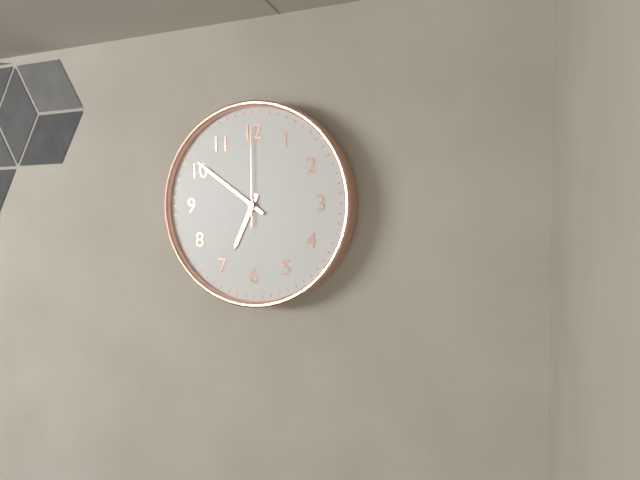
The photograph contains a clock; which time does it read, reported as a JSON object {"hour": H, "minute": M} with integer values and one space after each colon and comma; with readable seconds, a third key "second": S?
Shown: {"hour": 6, "minute": 51, "second": 0}
